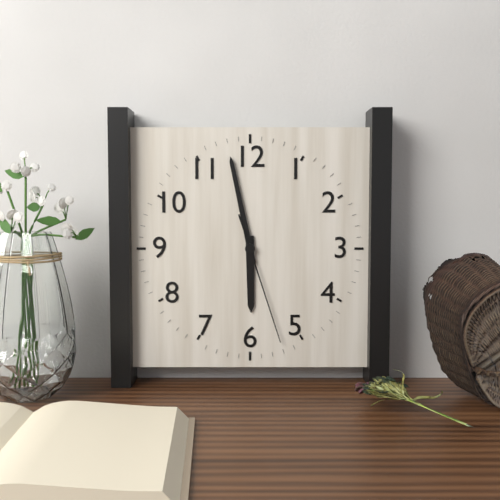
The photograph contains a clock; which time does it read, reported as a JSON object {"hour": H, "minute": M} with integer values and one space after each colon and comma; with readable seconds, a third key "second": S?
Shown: {"hour": 5, "minute": 58, "second": 27}
